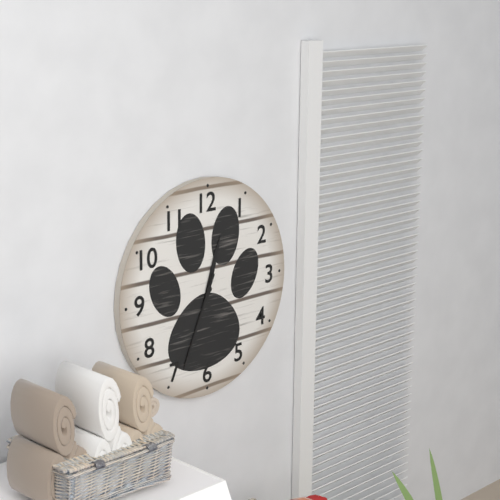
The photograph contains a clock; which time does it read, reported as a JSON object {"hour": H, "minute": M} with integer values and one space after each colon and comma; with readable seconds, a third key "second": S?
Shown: {"hour": 12, "minute": 34}
